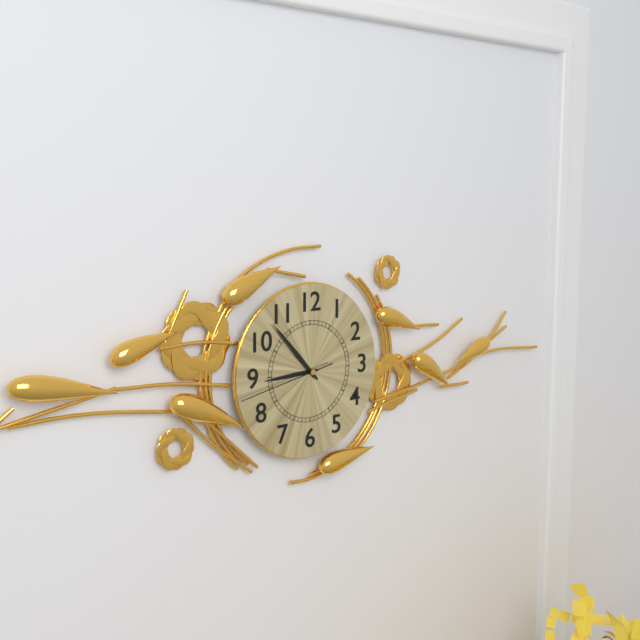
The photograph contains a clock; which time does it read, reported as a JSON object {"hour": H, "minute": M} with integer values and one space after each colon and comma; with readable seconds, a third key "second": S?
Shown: {"hour": 8, "minute": 53, "second": 43}
